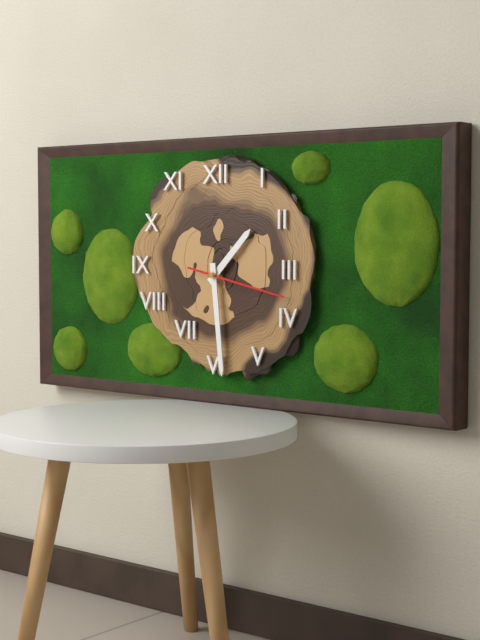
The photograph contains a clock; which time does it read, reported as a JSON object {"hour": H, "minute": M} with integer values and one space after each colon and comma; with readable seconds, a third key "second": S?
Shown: {"hour": 1, "minute": 29, "second": 17}
